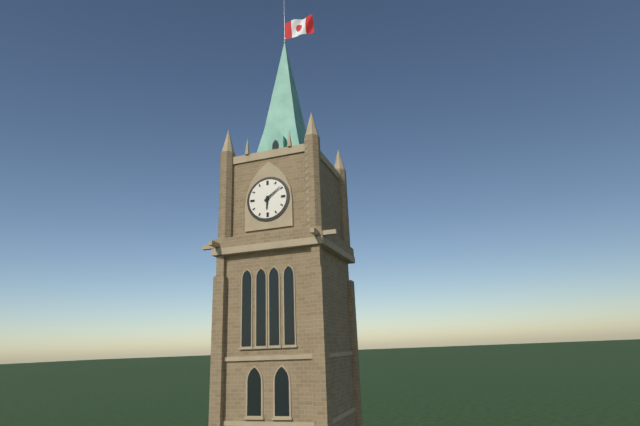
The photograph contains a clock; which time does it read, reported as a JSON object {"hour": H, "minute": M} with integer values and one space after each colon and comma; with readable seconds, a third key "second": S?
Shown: {"hour": 6, "minute": 9}
